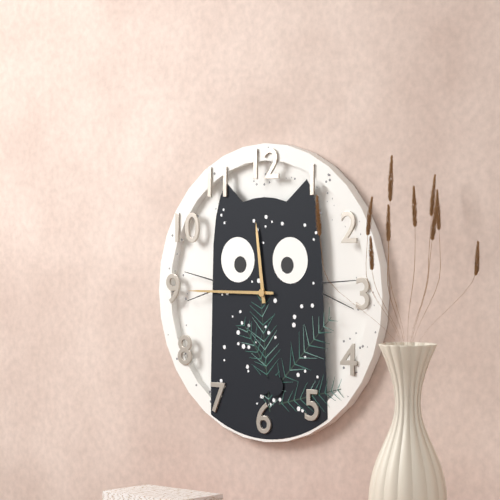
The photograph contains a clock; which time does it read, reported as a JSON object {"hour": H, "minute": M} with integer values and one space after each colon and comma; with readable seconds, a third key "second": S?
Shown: {"hour": 11, "minute": 45}
